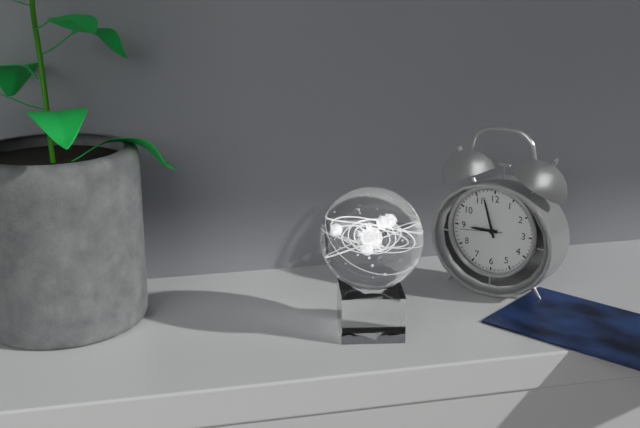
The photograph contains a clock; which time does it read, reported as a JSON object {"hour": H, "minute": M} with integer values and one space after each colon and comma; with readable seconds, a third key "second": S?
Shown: {"hour": 8, "minute": 57}
